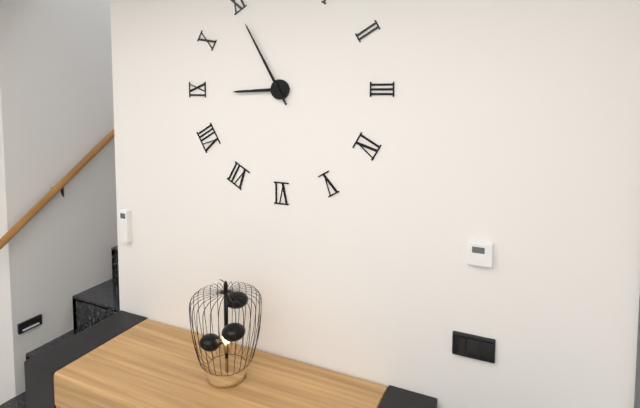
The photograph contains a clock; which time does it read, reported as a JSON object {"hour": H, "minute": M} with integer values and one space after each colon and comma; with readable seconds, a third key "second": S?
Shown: {"hour": 8, "minute": 55}
